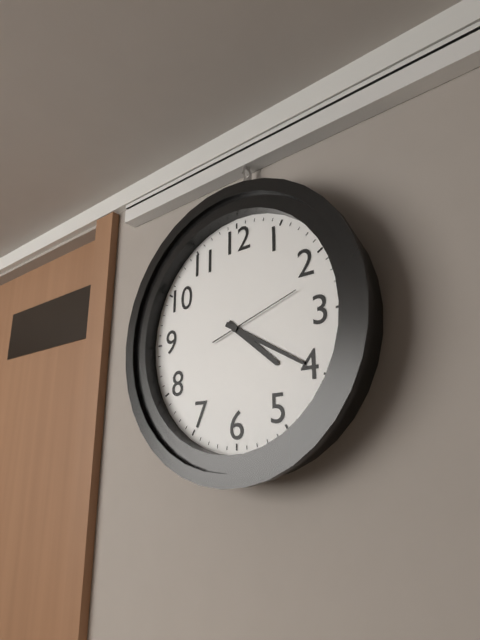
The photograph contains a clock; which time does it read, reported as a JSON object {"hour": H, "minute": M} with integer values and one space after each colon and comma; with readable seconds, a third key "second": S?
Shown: {"hour": 4, "minute": 20, "second": 12}
